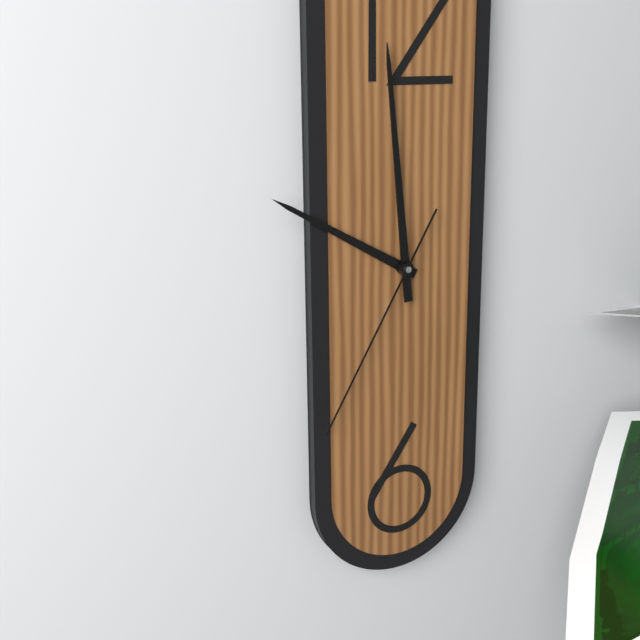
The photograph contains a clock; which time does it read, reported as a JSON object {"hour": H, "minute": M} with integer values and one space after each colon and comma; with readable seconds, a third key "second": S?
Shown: {"hour": 9, "minute": 59, "second": 35}
